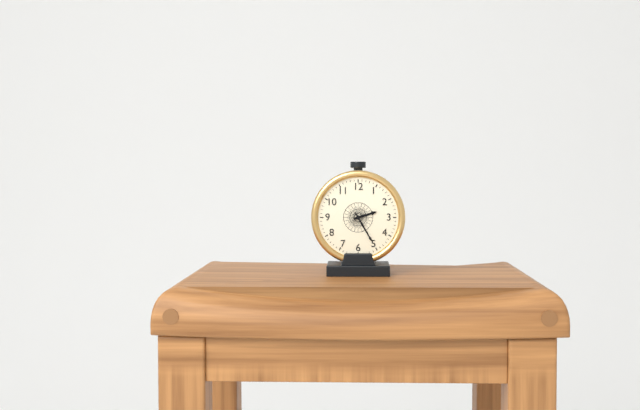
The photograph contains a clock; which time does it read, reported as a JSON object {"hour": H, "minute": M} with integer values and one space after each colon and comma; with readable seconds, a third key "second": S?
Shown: {"hour": 2, "minute": 25}
